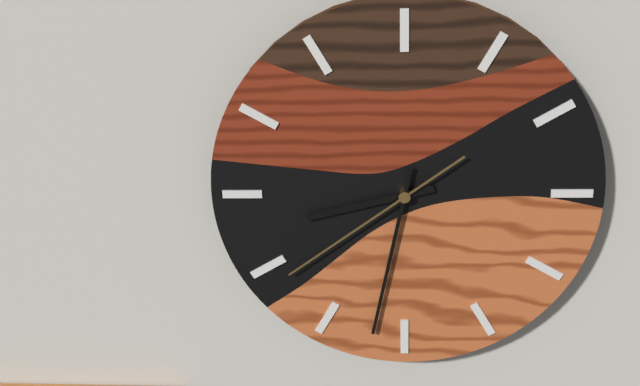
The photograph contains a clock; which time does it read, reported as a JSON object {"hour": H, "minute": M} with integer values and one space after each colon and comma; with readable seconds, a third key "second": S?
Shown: {"hour": 8, "minute": 32, "second": 39}
